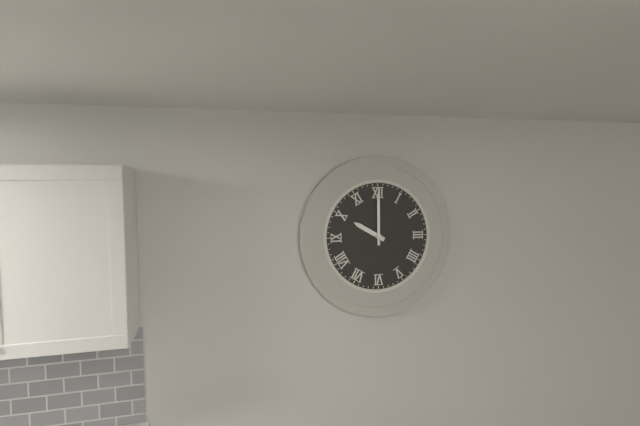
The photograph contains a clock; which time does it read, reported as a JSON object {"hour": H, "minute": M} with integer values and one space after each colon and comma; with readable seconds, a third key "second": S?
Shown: {"hour": 10, "minute": 0}
